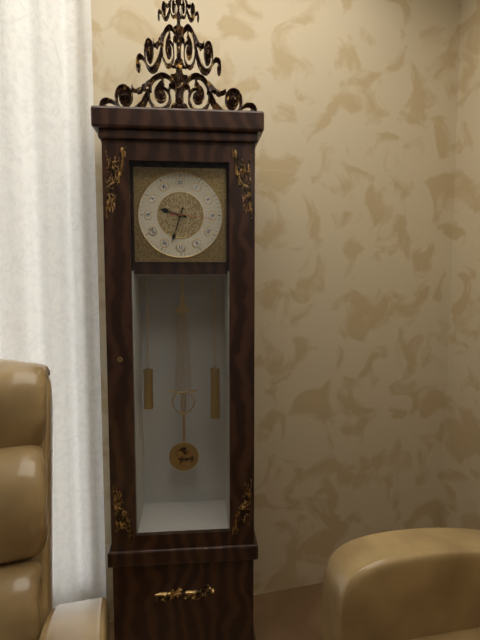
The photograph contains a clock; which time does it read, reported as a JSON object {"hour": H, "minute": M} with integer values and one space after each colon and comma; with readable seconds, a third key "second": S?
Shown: {"hour": 9, "minute": 33}
